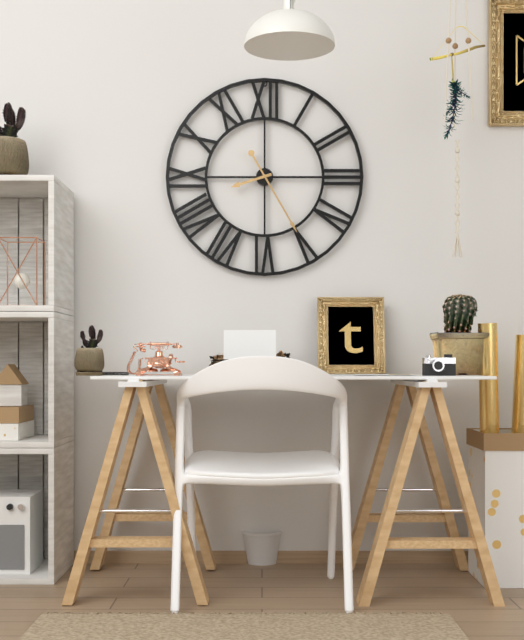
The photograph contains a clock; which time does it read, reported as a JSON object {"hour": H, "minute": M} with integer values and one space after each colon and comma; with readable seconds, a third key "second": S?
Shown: {"hour": 8, "minute": 25}
